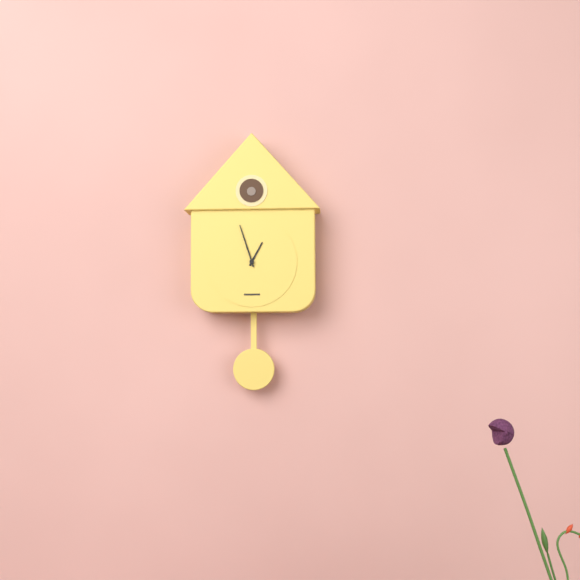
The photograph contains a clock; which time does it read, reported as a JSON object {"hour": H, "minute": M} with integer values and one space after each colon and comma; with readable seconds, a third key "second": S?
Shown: {"hour": 12, "minute": 57}
